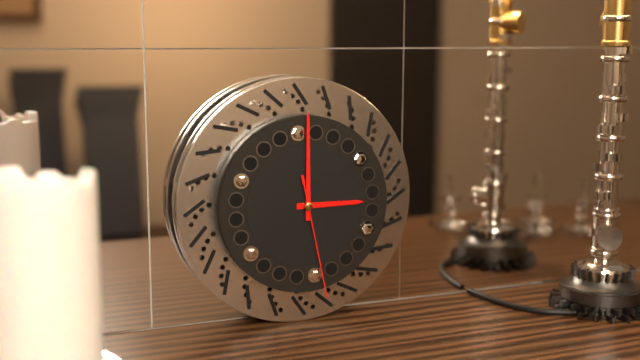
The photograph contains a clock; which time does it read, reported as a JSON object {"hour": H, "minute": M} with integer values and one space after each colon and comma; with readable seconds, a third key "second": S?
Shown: {"hour": 3, "minute": 0, "second": 28}
